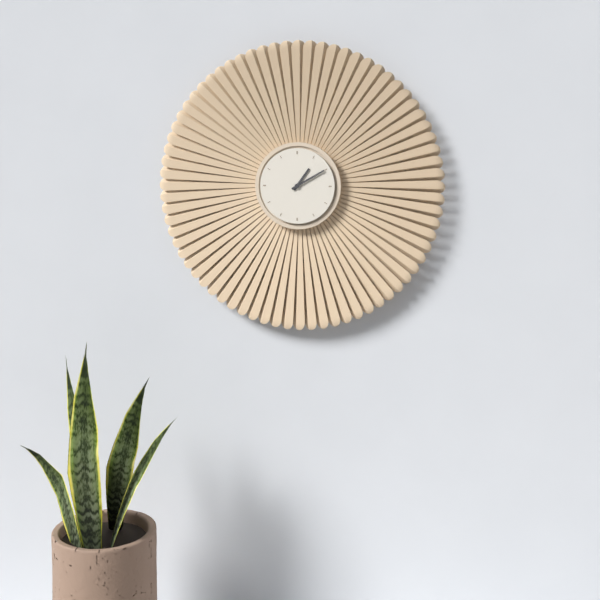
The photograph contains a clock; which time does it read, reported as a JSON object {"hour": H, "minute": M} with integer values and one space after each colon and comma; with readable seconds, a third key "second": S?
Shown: {"hour": 1, "minute": 10}
